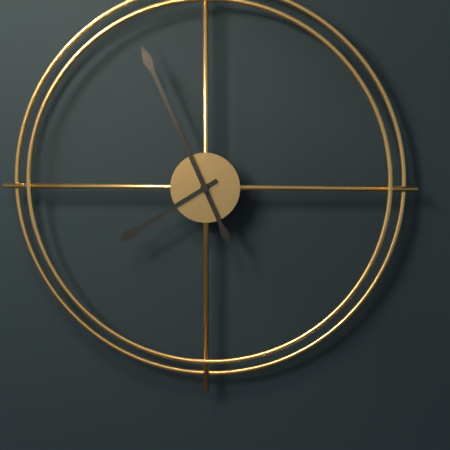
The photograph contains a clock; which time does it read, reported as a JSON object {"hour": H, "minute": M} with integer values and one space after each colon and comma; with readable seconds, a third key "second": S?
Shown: {"hour": 7, "minute": 56}
